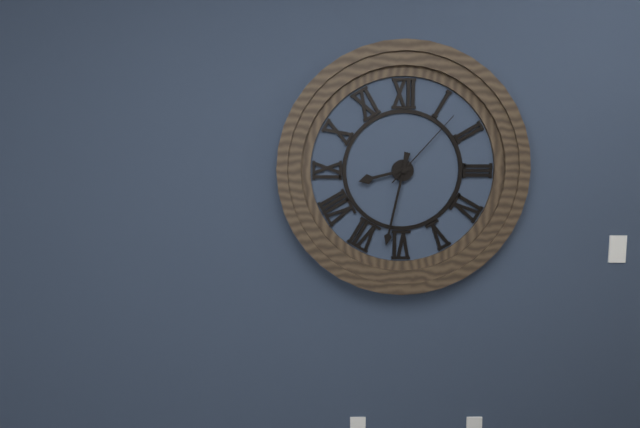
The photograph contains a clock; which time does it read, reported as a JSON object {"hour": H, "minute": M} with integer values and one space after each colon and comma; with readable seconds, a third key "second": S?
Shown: {"hour": 8, "minute": 32, "second": 7}
